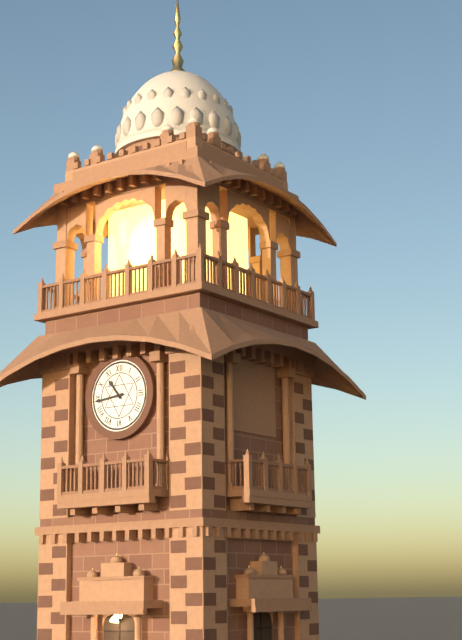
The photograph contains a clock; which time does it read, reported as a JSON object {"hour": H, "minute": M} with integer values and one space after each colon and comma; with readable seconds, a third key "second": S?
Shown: {"hour": 10, "minute": 44}
